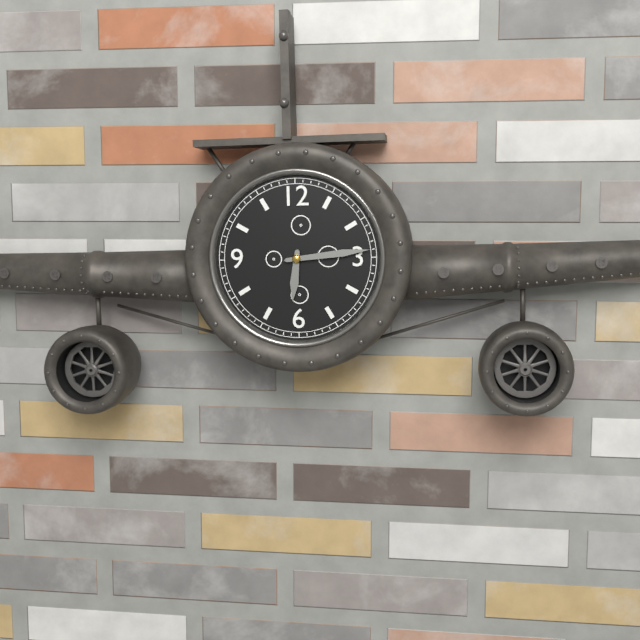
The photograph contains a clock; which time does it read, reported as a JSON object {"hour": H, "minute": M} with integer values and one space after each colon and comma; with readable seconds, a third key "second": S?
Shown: {"hour": 6, "minute": 14}
